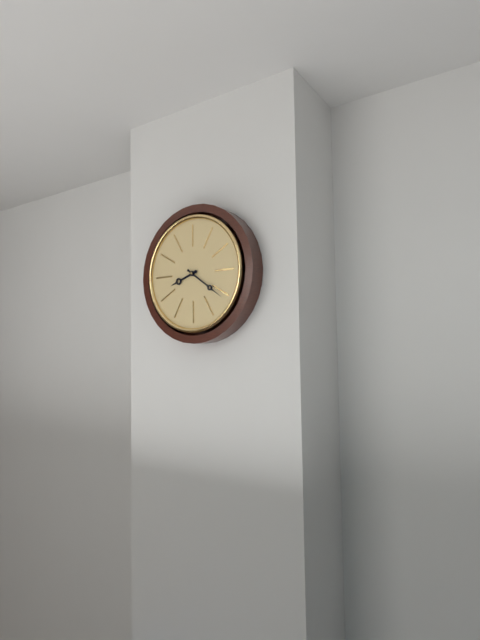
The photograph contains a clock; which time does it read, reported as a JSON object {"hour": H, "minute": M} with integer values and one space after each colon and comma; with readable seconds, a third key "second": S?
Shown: {"hour": 8, "minute": 21}
